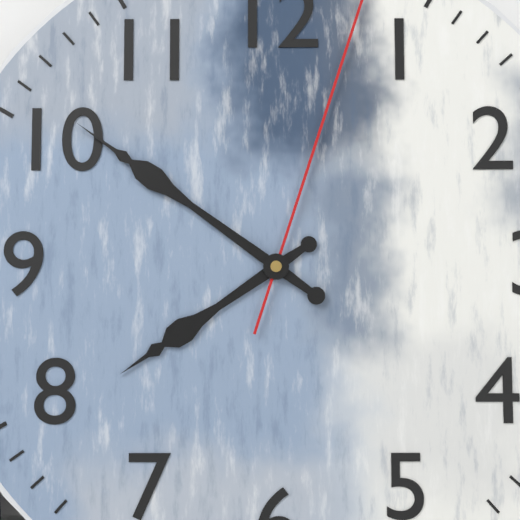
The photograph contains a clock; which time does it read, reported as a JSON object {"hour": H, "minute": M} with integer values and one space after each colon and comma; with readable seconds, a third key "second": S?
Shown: {"hour": 7, "minute": 51}
